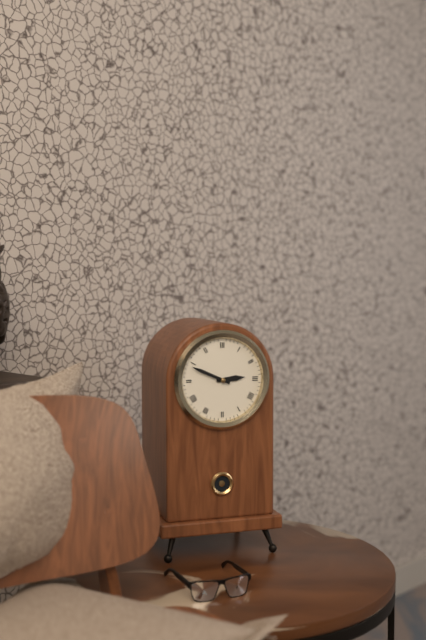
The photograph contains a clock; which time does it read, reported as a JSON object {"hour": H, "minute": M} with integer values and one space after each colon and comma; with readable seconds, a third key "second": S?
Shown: {"hour": 2, "minute": 49}
